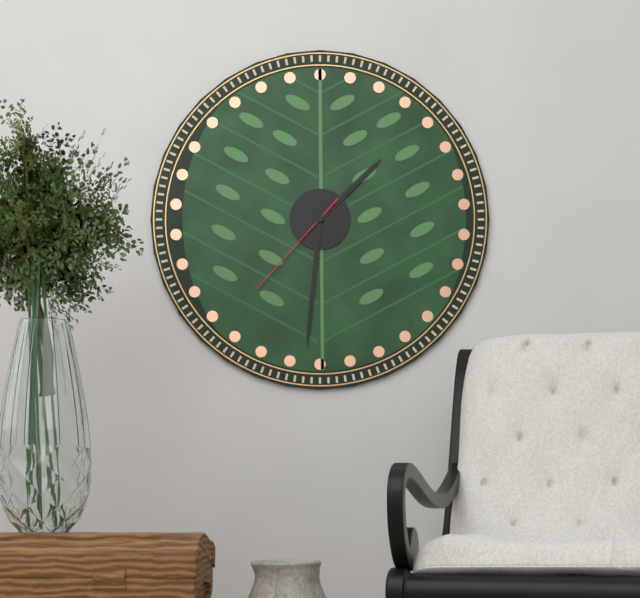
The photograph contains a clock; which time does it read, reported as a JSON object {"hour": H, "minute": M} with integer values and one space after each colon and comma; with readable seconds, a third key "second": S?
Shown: {"hour": 1, "minute": 31, "second": 37}
